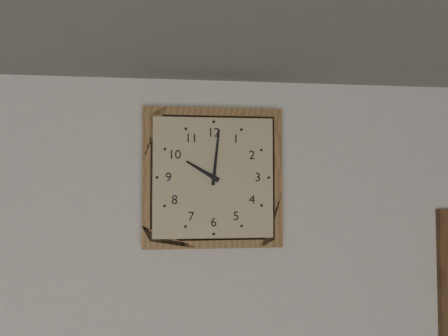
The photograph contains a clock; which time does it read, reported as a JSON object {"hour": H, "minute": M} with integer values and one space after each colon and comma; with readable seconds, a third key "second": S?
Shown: {"hour": 10, "minute": 1}
